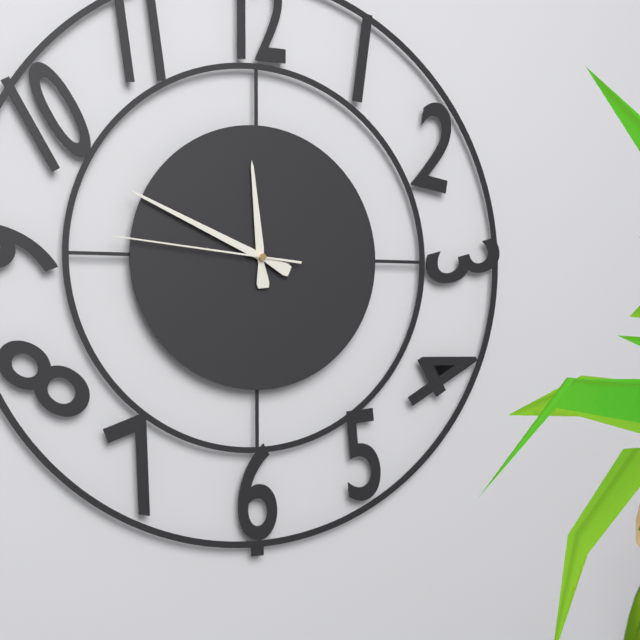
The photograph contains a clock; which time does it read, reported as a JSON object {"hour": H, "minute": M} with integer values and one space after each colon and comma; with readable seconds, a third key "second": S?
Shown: {"hour": 11, "minute": 49, "second": 46}
